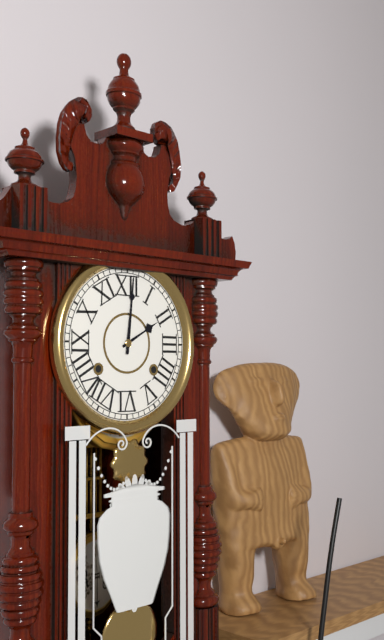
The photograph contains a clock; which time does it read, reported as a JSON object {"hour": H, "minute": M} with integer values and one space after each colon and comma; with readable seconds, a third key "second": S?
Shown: {"hour": 2, "minute": 1}
